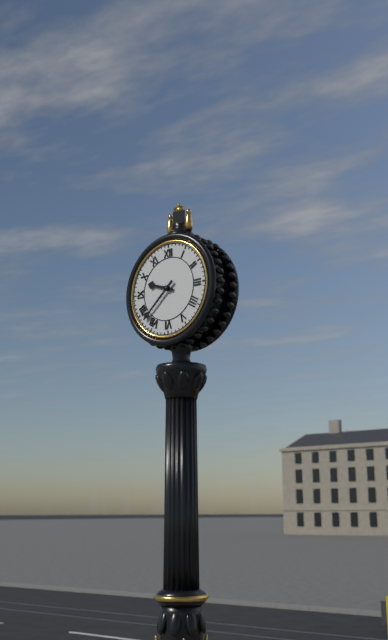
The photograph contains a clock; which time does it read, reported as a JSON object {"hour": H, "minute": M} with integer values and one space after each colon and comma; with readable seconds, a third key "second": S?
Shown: {"hour": 9, "minute": 38}
